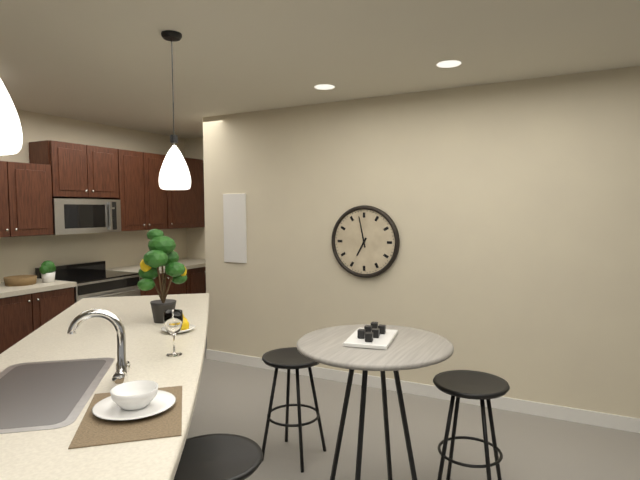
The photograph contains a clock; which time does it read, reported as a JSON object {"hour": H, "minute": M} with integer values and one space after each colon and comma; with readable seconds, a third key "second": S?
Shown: {"hour": 6, "minute": 58}
